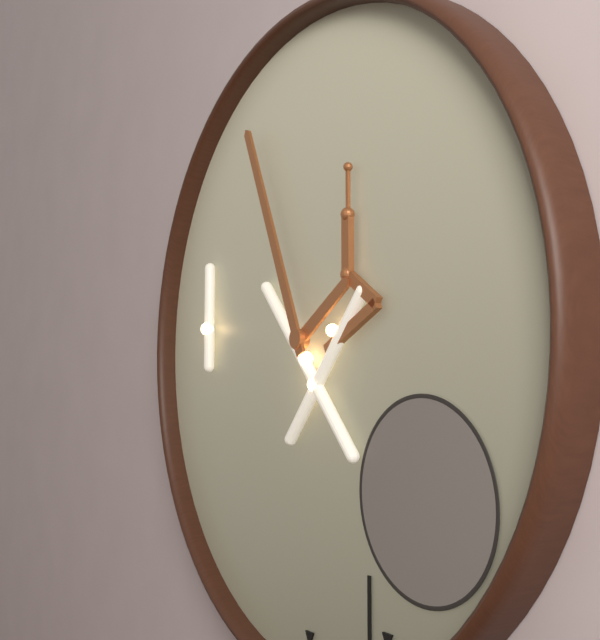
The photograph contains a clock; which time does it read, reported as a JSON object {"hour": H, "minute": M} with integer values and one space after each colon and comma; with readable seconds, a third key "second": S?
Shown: {"hour": 1, "minute": 56}
